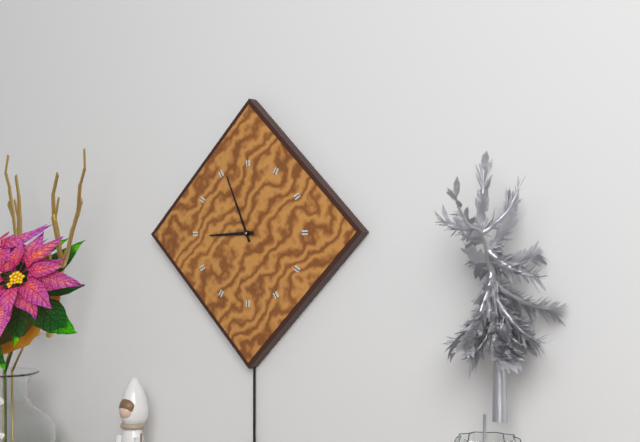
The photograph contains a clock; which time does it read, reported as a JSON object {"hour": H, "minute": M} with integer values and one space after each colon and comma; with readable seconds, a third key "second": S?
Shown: {"hour": 8, "minute": 56}
